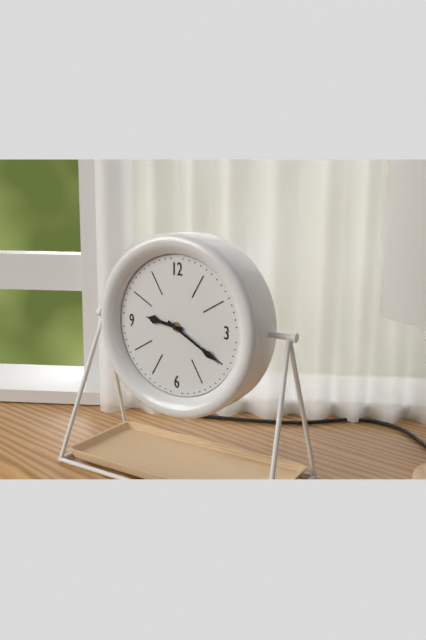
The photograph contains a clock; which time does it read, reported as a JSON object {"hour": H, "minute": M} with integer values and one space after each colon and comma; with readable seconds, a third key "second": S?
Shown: {"hour": 9, "minute": 20}
